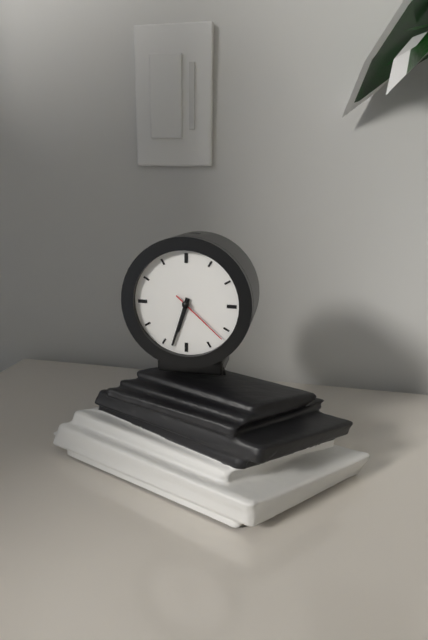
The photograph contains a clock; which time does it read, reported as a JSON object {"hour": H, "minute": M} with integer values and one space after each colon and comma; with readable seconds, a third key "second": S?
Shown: {"hour": 6, "minute": 33, "second": 22}
